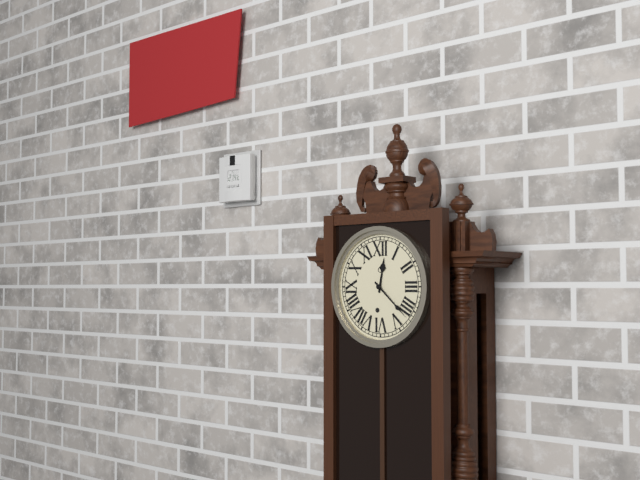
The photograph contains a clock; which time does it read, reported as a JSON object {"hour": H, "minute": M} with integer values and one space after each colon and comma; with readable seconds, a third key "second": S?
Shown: {"hour": 12, "minute": 22}
